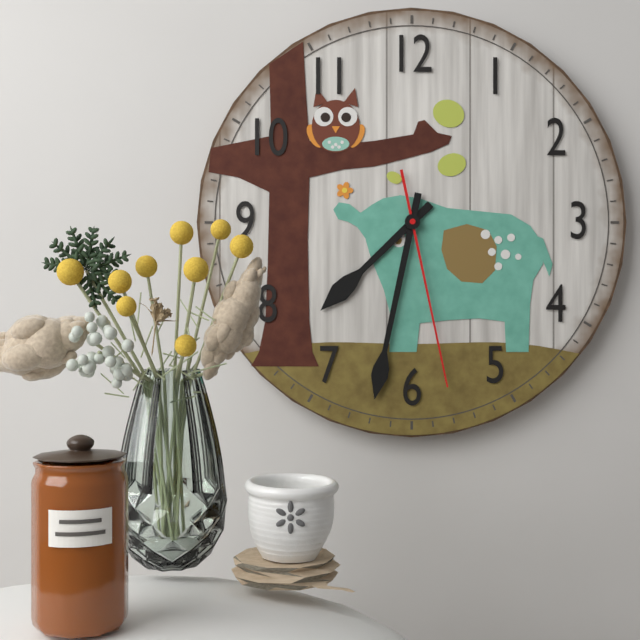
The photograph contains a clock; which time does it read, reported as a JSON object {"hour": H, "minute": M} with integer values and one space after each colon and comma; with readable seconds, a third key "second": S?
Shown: {"hour": 7, "minute": 32, "second": 28}
